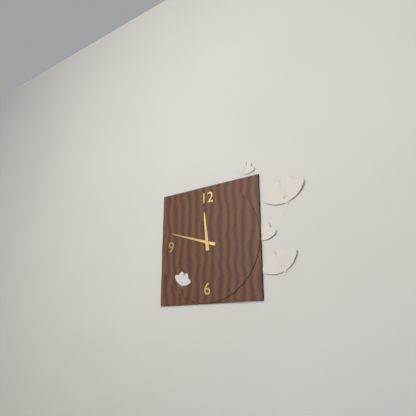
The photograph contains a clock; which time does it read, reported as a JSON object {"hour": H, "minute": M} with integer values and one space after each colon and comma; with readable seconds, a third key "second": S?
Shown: {"hour": 11, "minute": 48}
